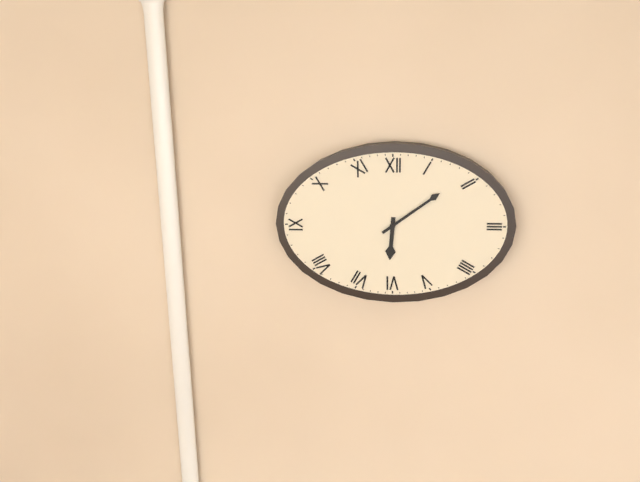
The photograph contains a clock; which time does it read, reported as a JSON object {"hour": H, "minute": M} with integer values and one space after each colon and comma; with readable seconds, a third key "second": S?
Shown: {"hour": 6, "minute": 9}
